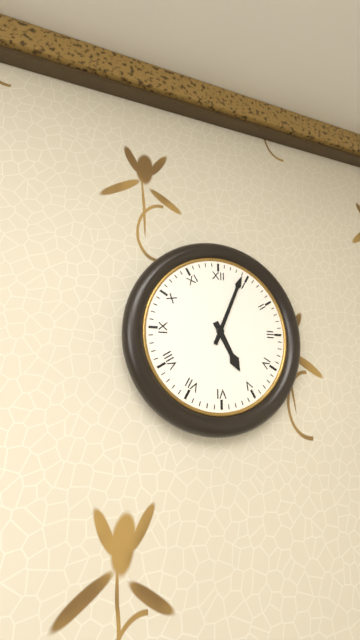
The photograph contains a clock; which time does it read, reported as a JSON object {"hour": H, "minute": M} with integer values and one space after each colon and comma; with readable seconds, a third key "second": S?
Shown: {"hour": 5, "minute": 4}
